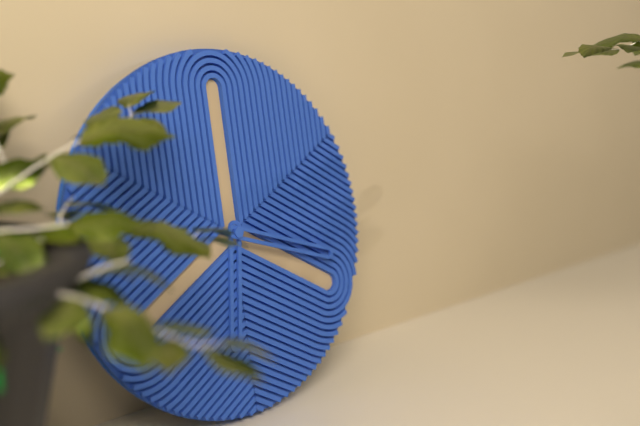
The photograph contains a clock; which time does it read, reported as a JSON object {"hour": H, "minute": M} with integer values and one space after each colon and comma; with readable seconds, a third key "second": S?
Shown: {"hour": 6, "minute": 18}
